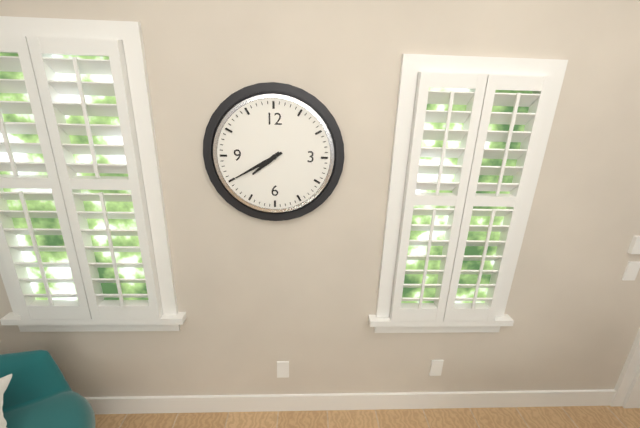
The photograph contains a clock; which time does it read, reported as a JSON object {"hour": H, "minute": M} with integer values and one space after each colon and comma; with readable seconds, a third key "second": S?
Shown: {"hour": 7, "minute": 40}
